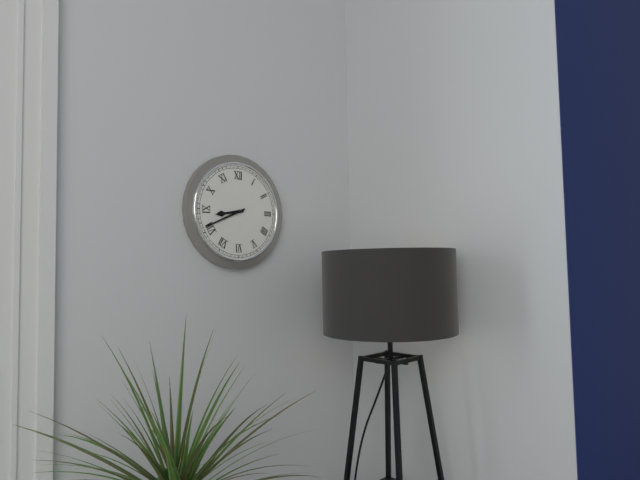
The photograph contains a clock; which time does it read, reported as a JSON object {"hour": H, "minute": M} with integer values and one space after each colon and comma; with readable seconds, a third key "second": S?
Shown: {"hour": 8, "minute": 41}
